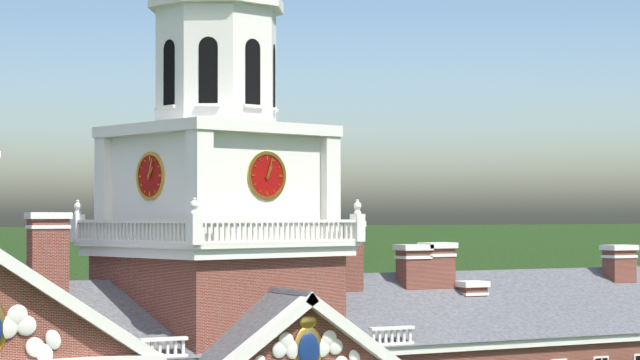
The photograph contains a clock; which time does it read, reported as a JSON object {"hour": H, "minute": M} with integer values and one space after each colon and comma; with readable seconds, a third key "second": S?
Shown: {"hour": 1, "minute": 3}
